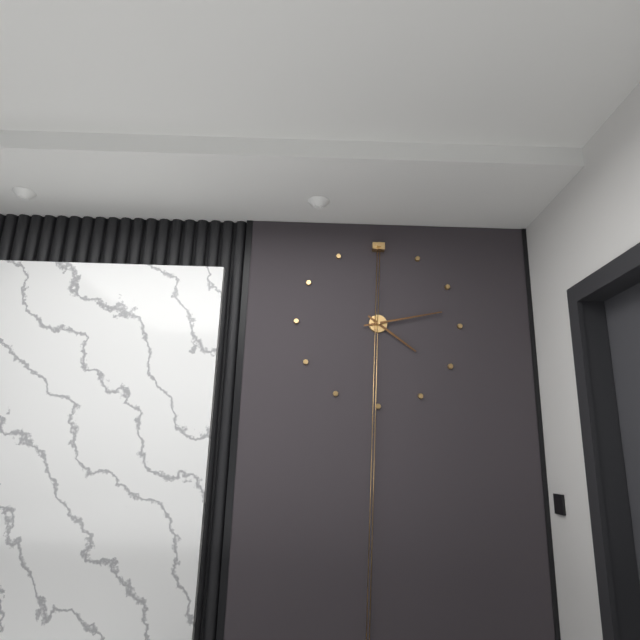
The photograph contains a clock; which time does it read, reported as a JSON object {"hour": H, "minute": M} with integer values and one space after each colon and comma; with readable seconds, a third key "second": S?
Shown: {"hour": 4, "minute": 13}
